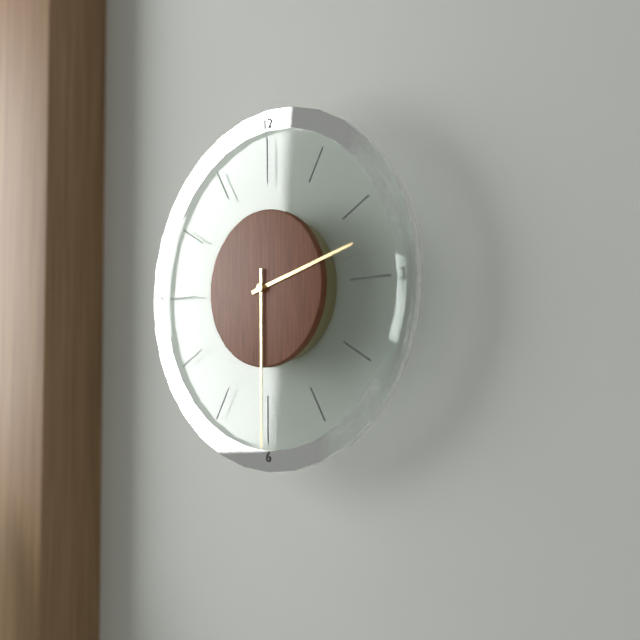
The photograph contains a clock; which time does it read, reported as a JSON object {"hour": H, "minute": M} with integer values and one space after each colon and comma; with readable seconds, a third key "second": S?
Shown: {"hour": 2, "minute": 30}
